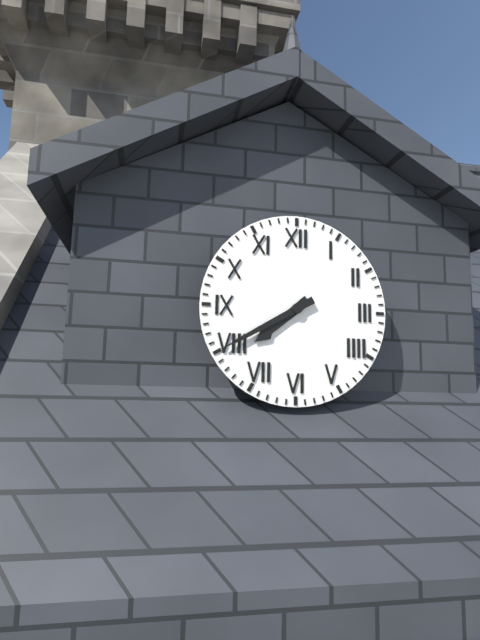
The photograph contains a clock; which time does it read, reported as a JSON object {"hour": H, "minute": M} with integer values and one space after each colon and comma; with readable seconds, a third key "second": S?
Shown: {"hour": 7, "minute": 40}
